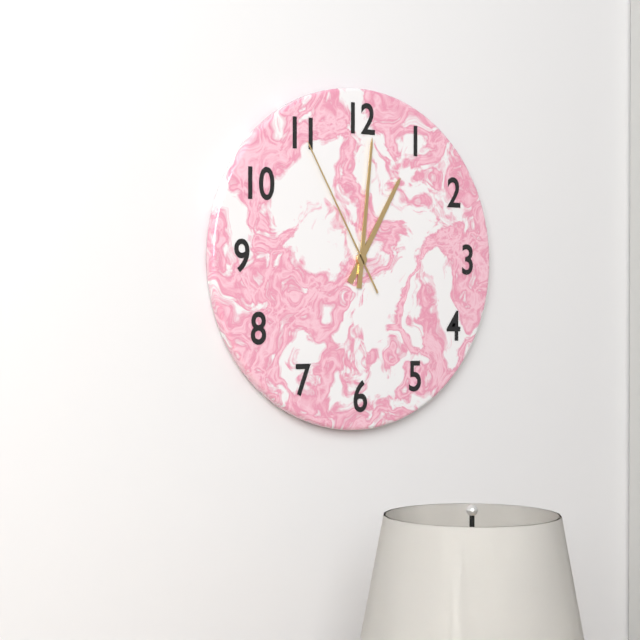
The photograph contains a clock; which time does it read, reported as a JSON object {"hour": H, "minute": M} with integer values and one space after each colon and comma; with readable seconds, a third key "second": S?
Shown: {"hour": 1, "minute": 1, "second": 55}
